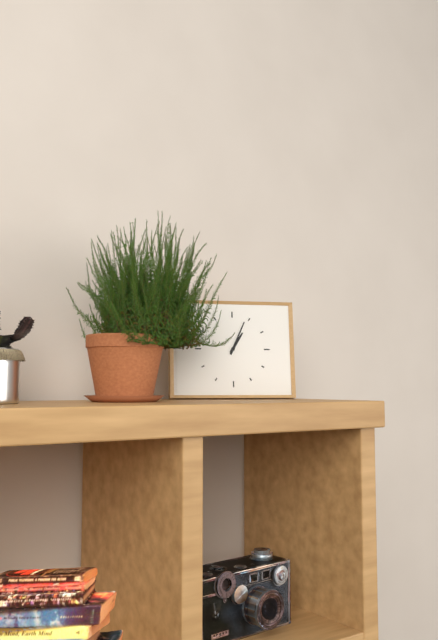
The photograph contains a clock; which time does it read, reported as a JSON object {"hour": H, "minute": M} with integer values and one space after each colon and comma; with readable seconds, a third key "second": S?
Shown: {"hour": 1, "minute": 4}
